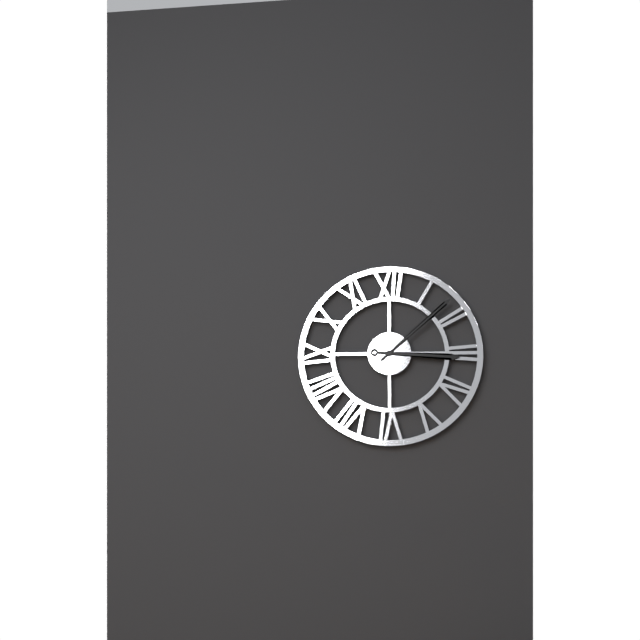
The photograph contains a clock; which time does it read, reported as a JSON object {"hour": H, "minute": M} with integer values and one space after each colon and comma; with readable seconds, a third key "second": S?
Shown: {"hour": 3, "minute": 8}
